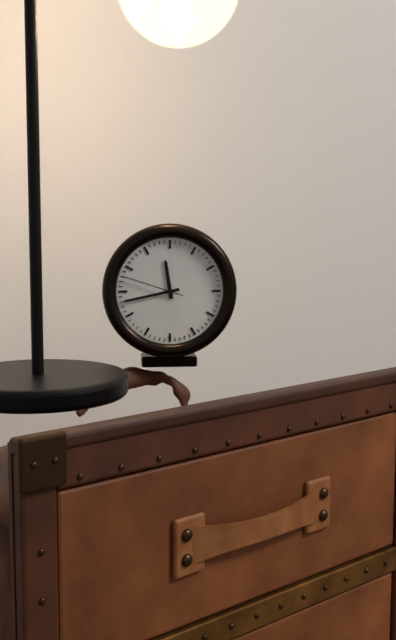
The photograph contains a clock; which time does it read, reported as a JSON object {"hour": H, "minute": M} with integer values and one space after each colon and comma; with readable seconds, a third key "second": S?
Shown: {"hour": 11, "minute": 43, "second": 48}
